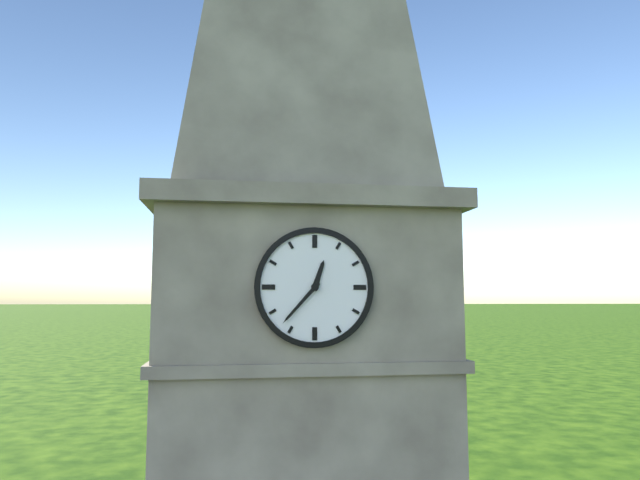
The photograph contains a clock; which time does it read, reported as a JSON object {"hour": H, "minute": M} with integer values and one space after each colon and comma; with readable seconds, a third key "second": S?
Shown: {"hour": 12, "minute": 37}
